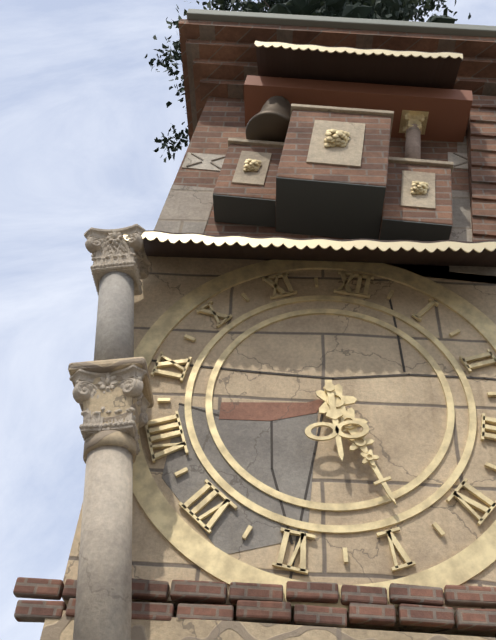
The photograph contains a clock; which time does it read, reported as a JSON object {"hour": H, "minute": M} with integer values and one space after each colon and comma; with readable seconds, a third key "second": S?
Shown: {"hour": 5, "minute": 24}
